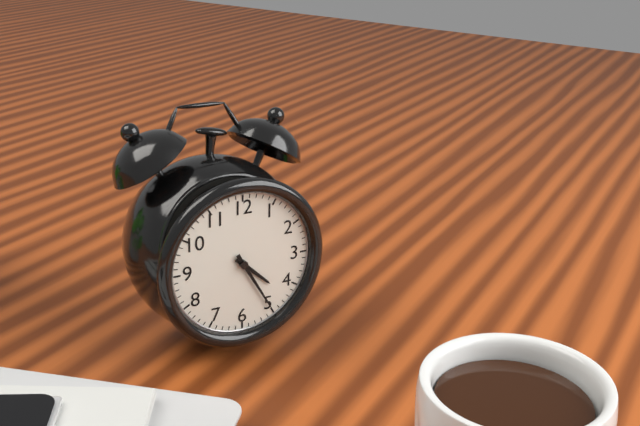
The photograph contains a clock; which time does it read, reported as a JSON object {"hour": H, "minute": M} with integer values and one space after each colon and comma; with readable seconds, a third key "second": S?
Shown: {"hour": 4, "minute": 25}
